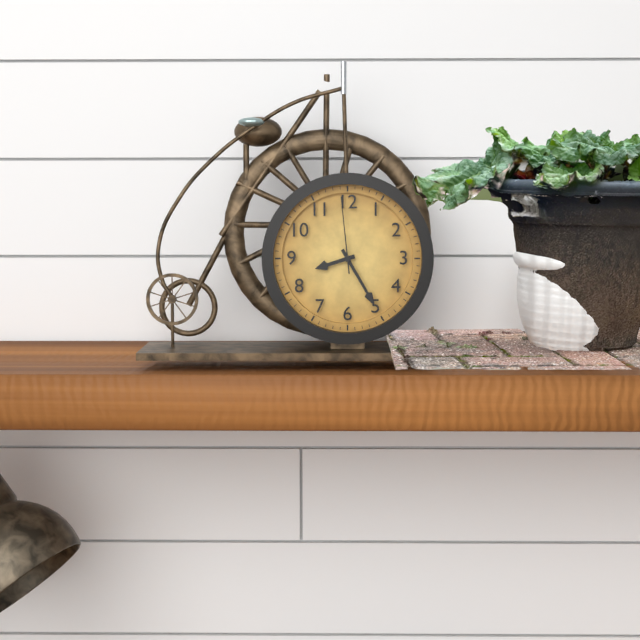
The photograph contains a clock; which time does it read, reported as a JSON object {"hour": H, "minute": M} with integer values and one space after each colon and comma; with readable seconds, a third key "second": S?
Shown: {"hour": 8, "minute": 25, "second": 59}
